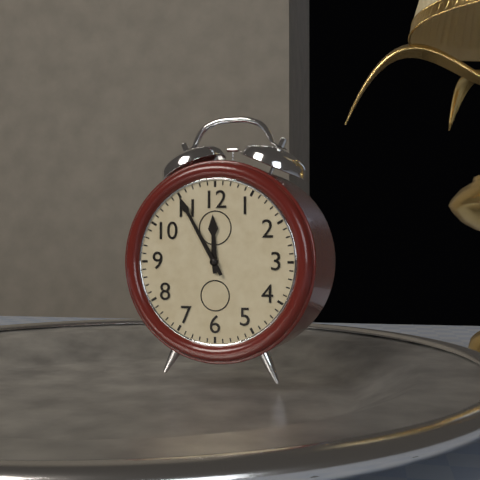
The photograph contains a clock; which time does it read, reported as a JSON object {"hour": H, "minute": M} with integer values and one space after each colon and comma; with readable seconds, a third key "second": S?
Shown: {"hour": 11, "minute": 55}
